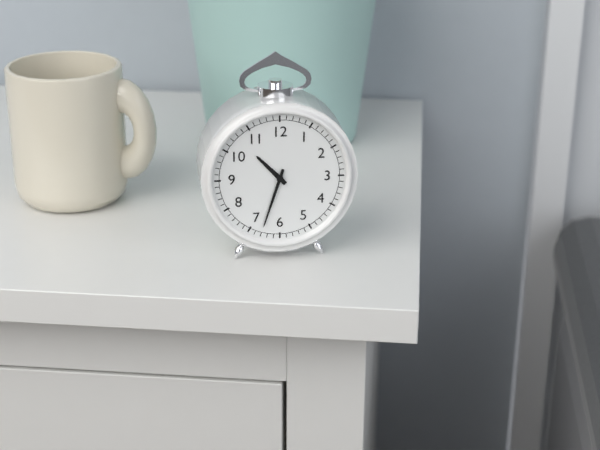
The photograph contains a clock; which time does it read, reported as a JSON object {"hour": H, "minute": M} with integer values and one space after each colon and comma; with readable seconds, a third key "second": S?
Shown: {"hour": 10, "minute": 33}
